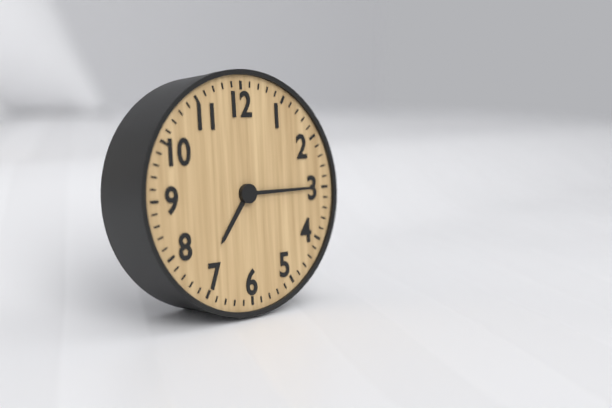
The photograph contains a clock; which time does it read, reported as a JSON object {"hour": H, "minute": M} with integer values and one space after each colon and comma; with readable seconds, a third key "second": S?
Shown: {"hour": 7, "minute": 15}
